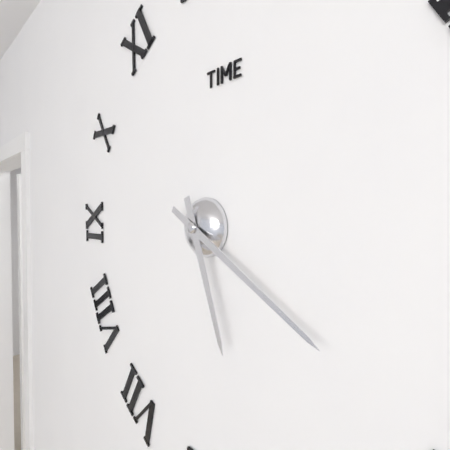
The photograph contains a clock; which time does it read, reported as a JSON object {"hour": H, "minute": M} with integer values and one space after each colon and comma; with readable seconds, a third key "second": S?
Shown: {"hour": 5, "minute": 20}
